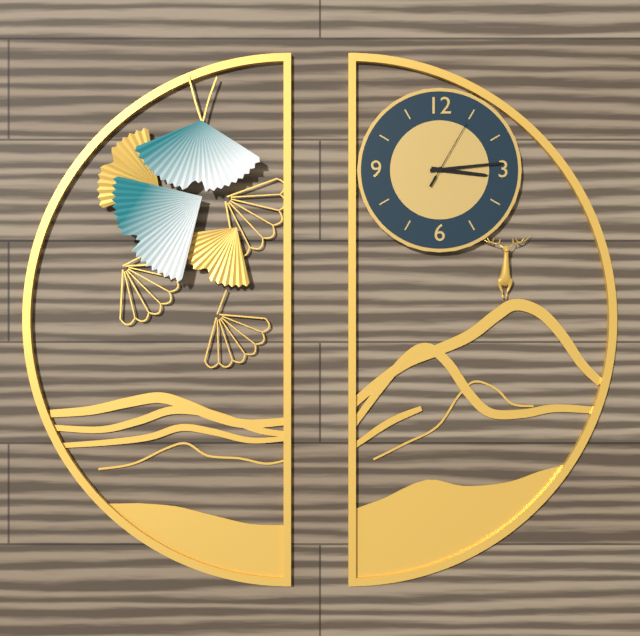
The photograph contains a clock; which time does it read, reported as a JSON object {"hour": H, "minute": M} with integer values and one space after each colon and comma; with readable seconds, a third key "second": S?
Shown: {"hour": 3, "minute": 14, "second": 5}
